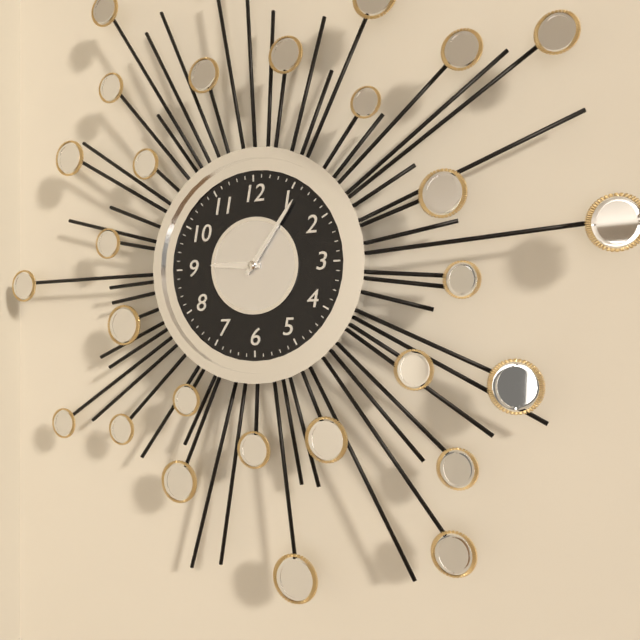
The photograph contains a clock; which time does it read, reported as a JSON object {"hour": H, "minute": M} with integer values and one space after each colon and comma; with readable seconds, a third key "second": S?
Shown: {"hour": 9, "minute": 6}
